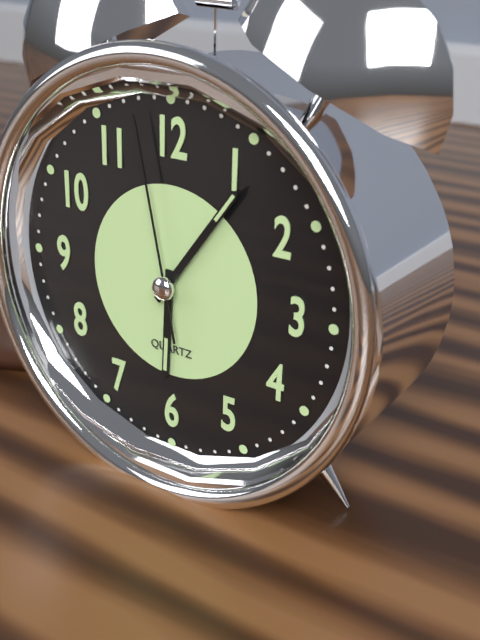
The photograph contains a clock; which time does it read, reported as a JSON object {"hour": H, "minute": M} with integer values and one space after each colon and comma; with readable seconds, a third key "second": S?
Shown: {"hour": 6, "minute": 6, "second": 58}
